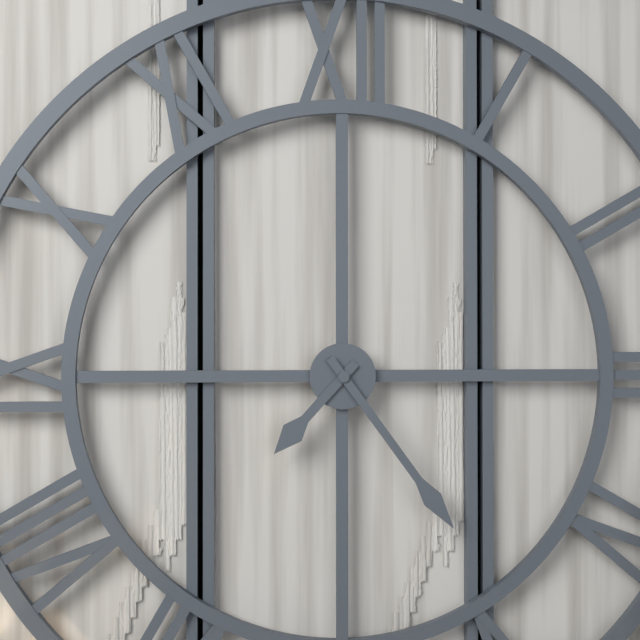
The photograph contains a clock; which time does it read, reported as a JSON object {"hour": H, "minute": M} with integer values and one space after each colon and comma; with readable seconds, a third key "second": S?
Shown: {"hour": 7, "minute": 24}
